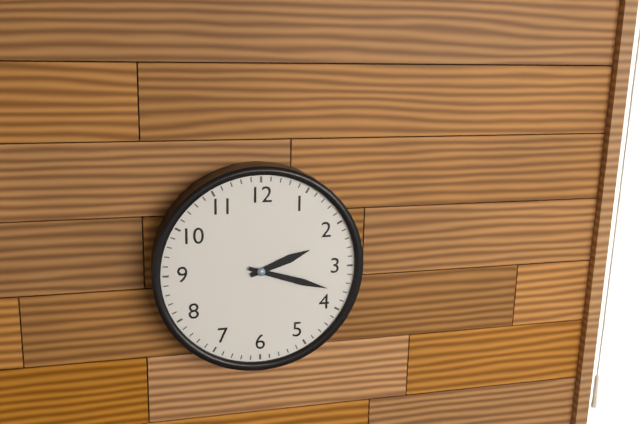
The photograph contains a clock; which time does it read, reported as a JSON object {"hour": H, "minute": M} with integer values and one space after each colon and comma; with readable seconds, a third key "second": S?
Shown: {"hour": 2, "minute": 18}
